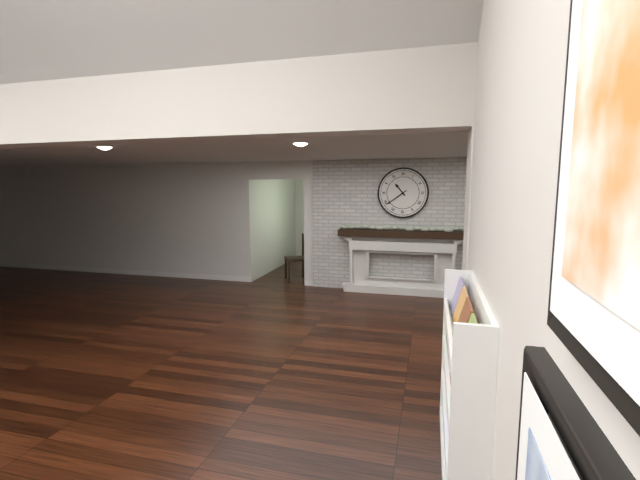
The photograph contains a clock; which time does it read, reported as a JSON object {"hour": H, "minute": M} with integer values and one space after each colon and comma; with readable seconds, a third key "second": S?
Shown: {"hour": 10, "minute": 39}
